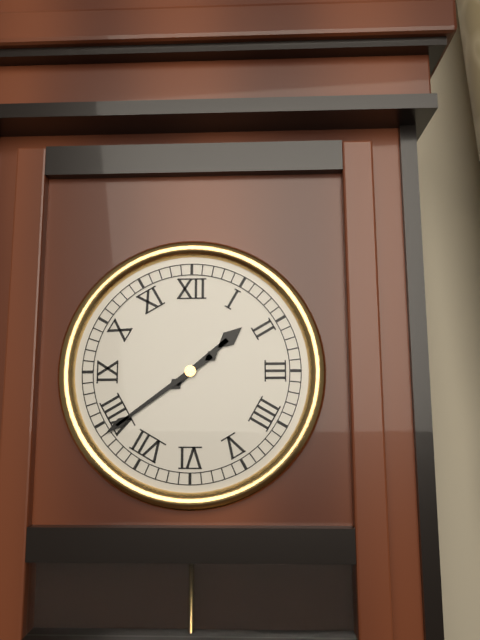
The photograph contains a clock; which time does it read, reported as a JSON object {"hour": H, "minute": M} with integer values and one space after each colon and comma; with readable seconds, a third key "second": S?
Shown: {"hour": 1, "minute": 39}
